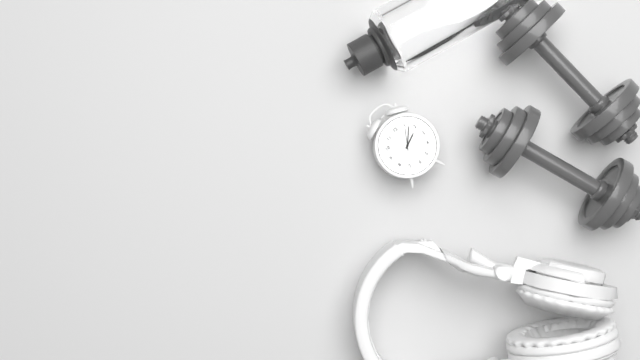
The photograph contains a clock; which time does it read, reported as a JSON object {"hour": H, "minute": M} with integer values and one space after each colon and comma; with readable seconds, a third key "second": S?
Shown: {"hour": 2, "minute": 7}
